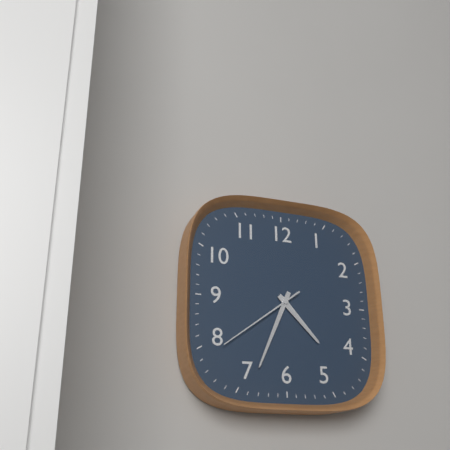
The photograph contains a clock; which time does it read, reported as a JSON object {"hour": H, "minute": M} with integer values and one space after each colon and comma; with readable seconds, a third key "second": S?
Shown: {"hour": 4, "minute": 34, "second": 39}
